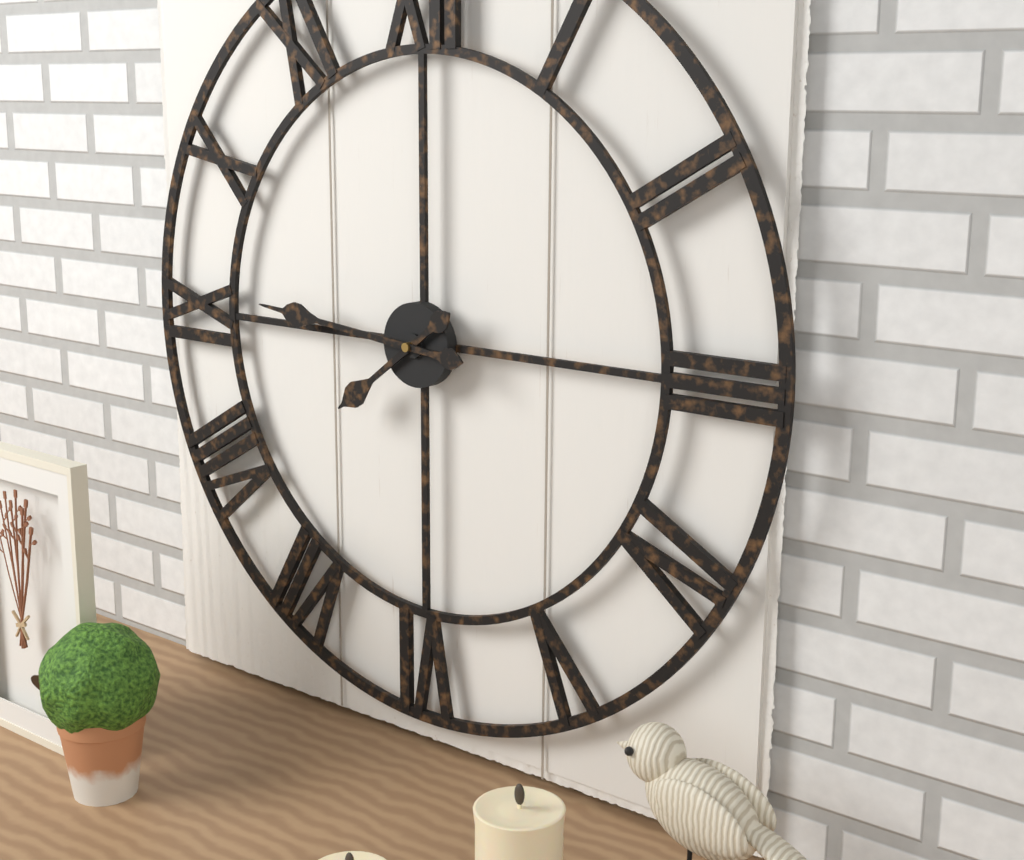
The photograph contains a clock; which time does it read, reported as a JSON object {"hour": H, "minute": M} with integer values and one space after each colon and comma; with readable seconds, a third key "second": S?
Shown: {"hour": 7, "minute": 46}
